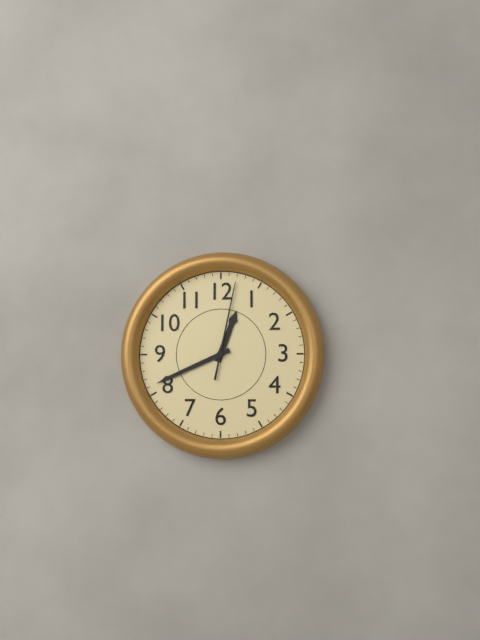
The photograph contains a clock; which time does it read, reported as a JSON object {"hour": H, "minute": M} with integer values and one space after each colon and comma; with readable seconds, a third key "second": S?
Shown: {"hour": 12, "minute": 41, "second": 2}
